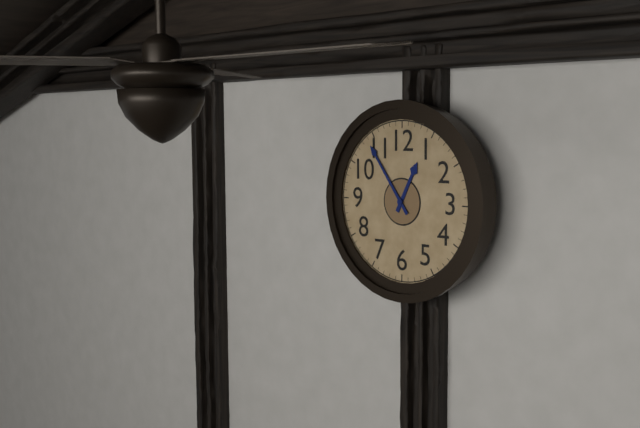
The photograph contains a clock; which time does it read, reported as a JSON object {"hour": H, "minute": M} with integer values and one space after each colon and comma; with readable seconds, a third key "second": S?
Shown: {"hour": 12, "minute": 54}
